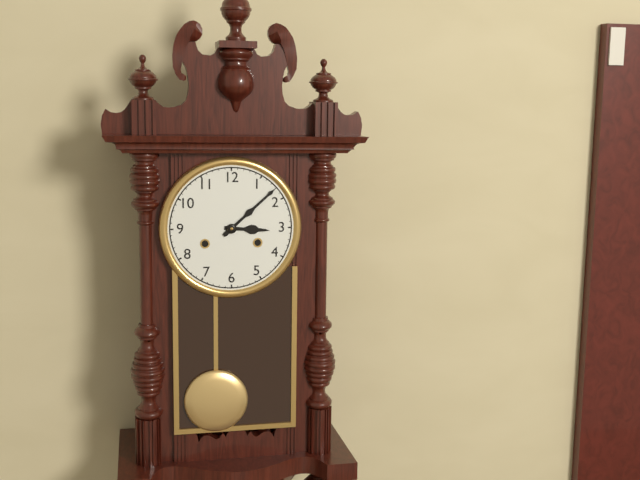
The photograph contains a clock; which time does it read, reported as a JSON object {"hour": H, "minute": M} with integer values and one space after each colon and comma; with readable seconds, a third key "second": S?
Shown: {"hour": 3, "minute": 8}
